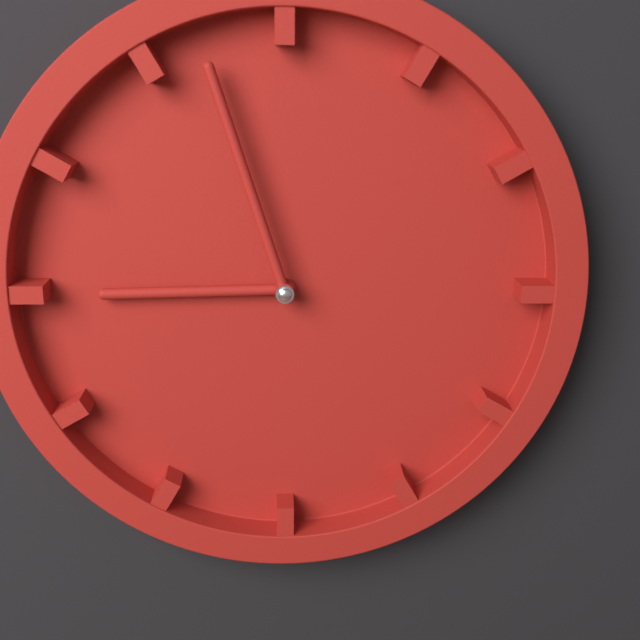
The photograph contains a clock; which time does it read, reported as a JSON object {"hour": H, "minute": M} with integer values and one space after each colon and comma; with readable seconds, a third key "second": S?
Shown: {"hour": 8, "minute": 57}
